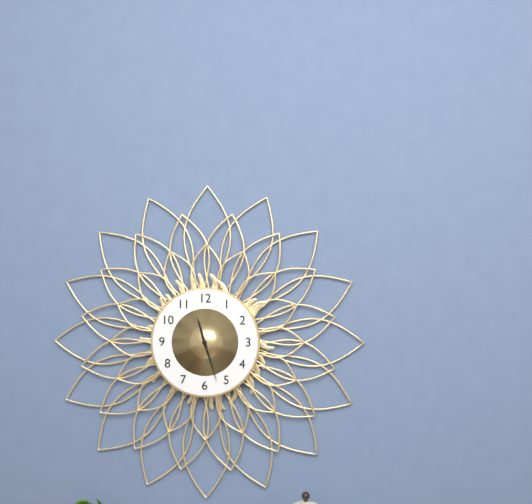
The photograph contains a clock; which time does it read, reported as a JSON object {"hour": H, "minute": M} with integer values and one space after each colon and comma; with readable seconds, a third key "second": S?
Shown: {"hour": 11, "minute": 27}
